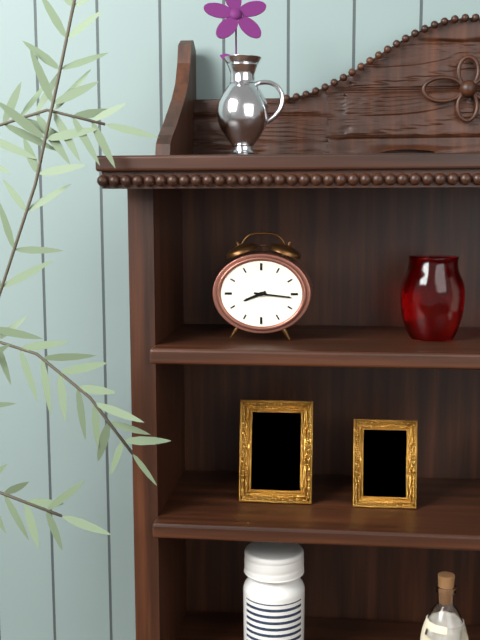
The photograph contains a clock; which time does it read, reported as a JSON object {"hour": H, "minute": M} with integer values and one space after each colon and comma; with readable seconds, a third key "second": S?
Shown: {"hour": 8, "minute": 16}
